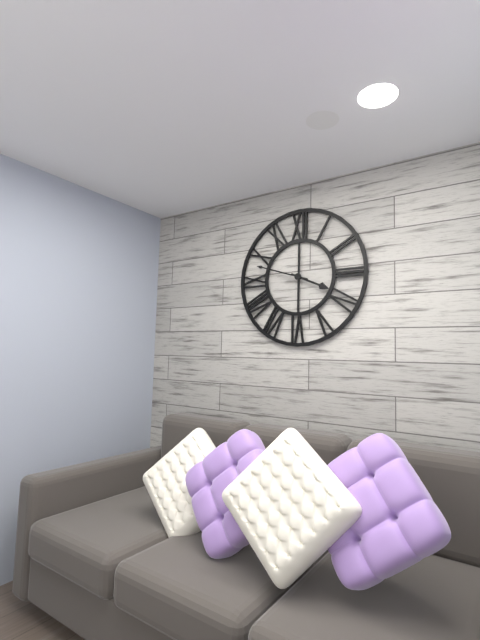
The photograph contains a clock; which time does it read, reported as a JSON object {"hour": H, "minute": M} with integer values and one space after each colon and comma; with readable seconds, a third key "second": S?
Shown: {"hour": 3, "minute": 48}
